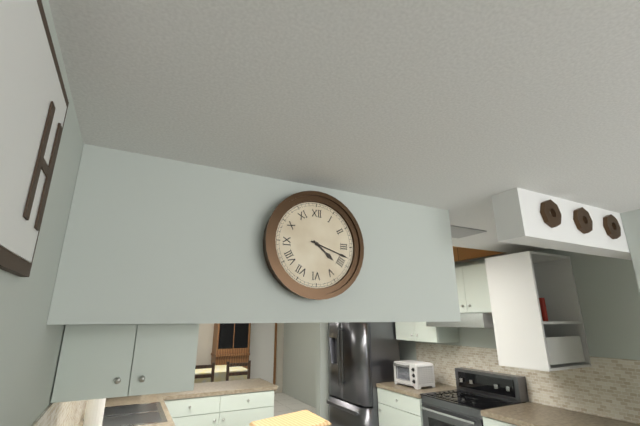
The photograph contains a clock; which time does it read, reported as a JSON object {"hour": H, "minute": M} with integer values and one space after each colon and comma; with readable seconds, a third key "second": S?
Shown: {"hour": 4, "minute": 18}
